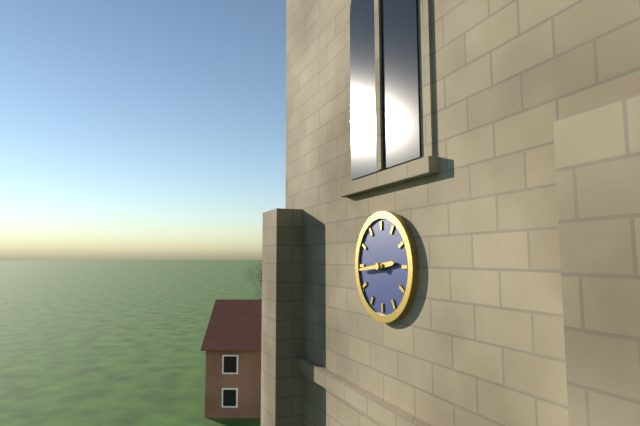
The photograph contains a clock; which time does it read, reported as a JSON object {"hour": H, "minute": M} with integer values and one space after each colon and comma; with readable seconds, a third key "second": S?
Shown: {"hour": 2, "minute": 44}
